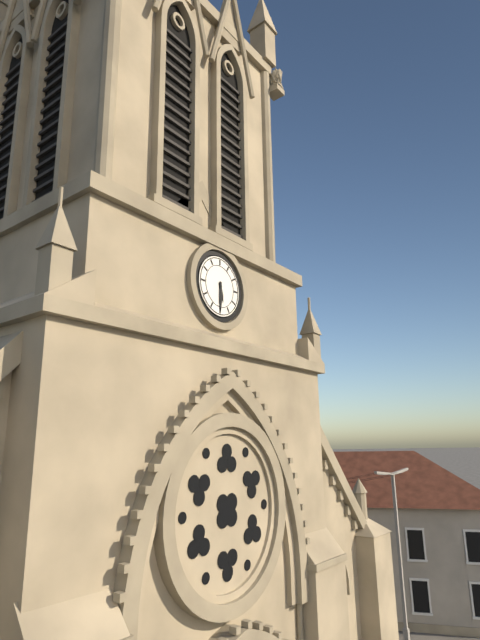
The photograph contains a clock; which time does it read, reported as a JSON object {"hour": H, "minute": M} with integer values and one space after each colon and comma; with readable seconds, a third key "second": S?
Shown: {"hour": 5, "minute": 30}
